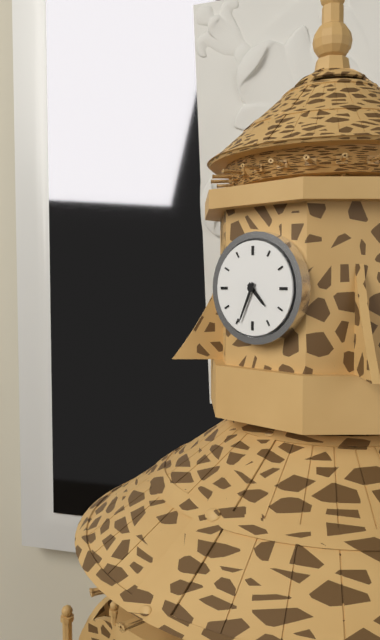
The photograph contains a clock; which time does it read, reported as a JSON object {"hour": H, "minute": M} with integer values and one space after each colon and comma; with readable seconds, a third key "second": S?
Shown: {"hour": 4, "minute": 34}
